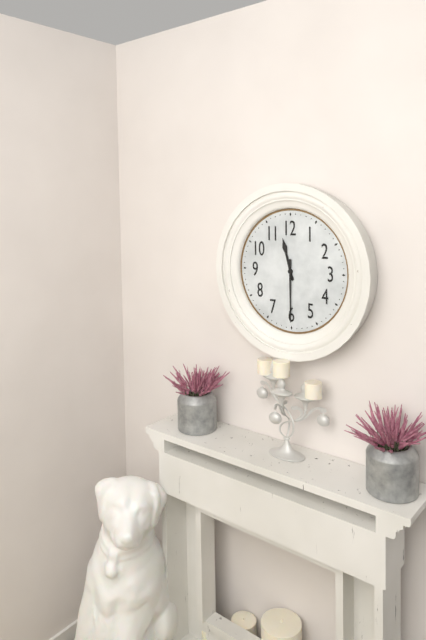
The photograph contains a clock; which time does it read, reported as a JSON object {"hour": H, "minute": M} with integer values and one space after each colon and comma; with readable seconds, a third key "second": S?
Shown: {"hour": 11, "minute": 30}
